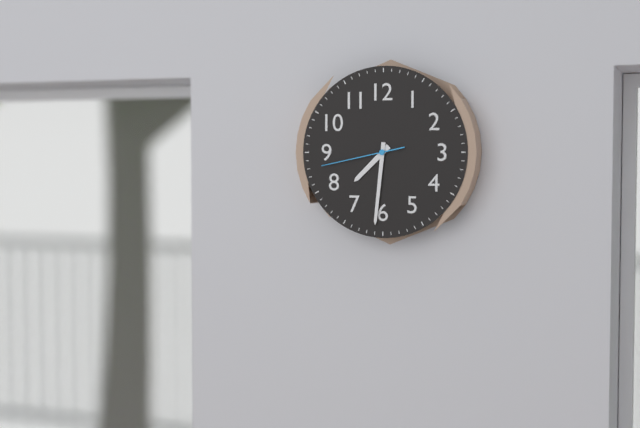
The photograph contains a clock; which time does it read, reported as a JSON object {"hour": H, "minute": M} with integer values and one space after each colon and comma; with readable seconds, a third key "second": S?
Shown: {"hour": 7, "minute": 31, "second": 43}
